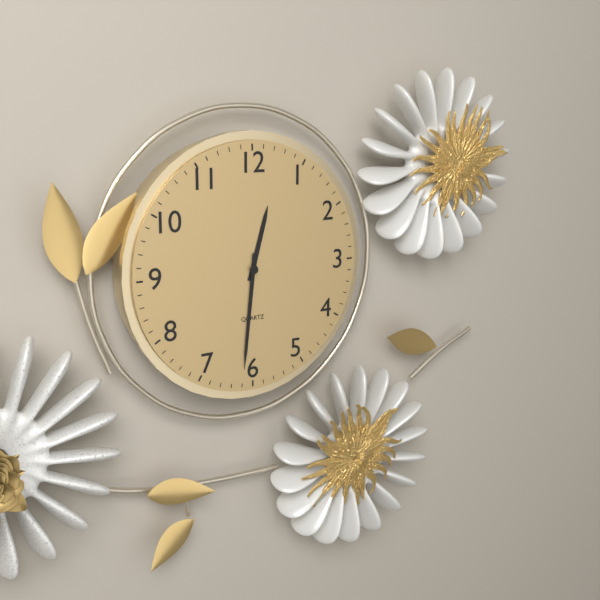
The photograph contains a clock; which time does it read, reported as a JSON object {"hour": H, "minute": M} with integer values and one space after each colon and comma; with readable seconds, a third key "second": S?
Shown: {"hour": 12, "minute": 31}
